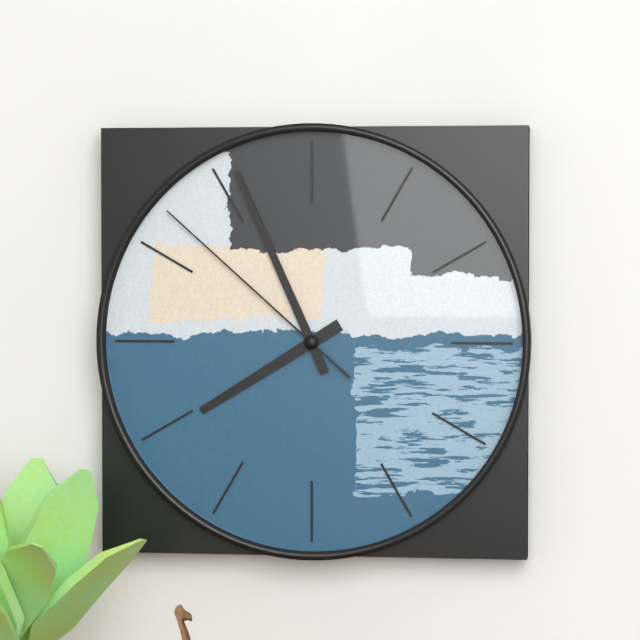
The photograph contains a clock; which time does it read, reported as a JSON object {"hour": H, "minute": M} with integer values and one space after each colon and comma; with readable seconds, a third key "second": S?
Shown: {"hour": 7, "minute": 56, "second": 52}
